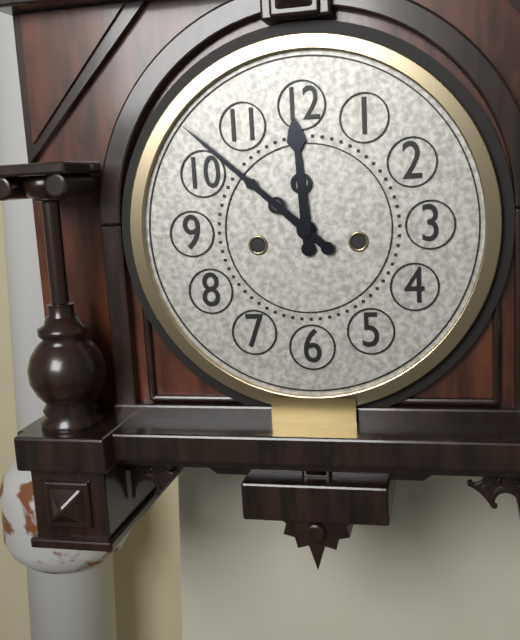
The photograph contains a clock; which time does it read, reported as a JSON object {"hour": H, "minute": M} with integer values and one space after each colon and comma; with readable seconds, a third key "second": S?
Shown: {"hour": 11, "minute": 52}
